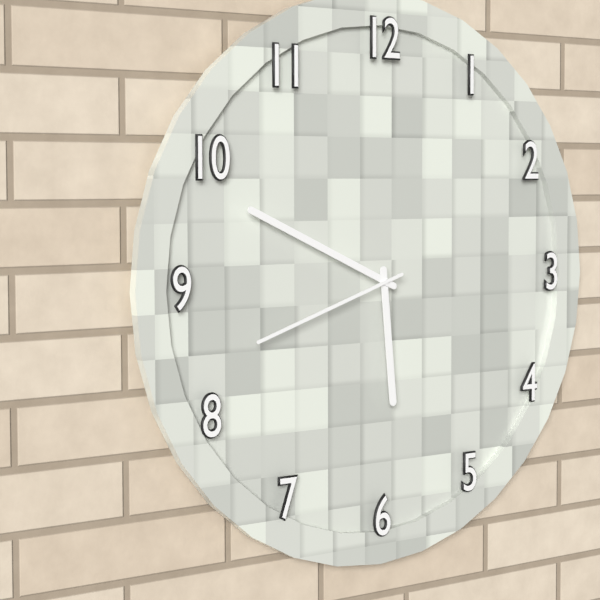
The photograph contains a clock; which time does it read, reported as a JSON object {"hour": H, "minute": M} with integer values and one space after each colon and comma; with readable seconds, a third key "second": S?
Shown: {"hour": 5, "minute": 49, "second": 42}
